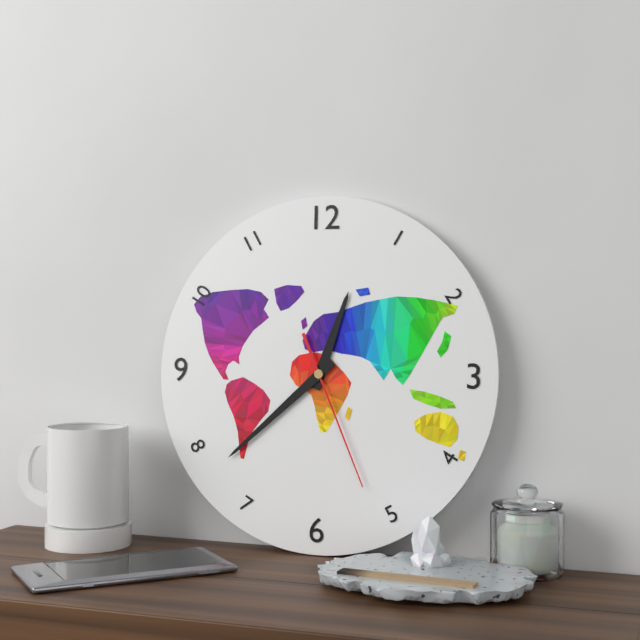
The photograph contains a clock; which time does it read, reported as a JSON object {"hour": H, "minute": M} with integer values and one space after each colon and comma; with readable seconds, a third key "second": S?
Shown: {"hour": 12, "minute": 38, "second": 26}
